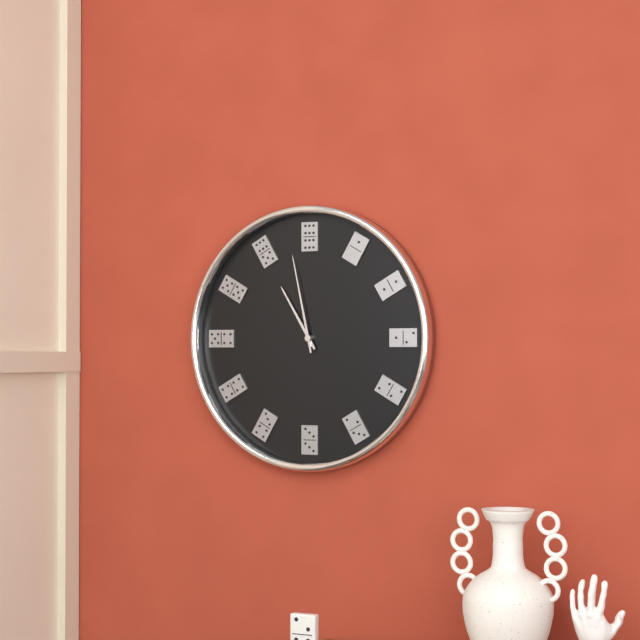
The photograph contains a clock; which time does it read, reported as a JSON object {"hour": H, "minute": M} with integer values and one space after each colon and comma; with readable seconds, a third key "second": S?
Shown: {"hour": 10, "minute": 58}
